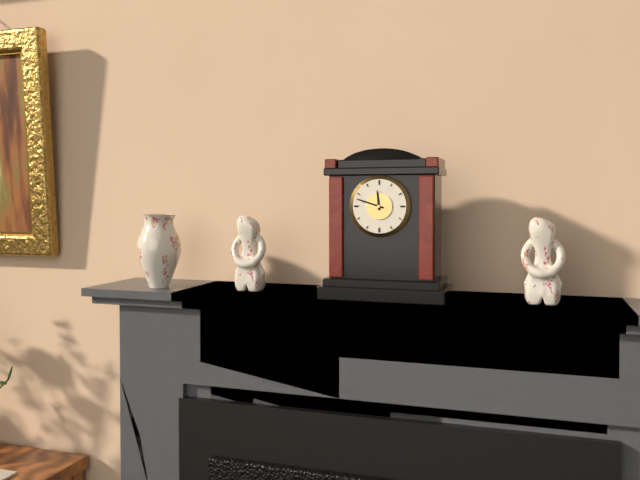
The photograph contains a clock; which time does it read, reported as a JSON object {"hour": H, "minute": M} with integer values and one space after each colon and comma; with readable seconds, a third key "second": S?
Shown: {"hour": 11, "minute": 48}
